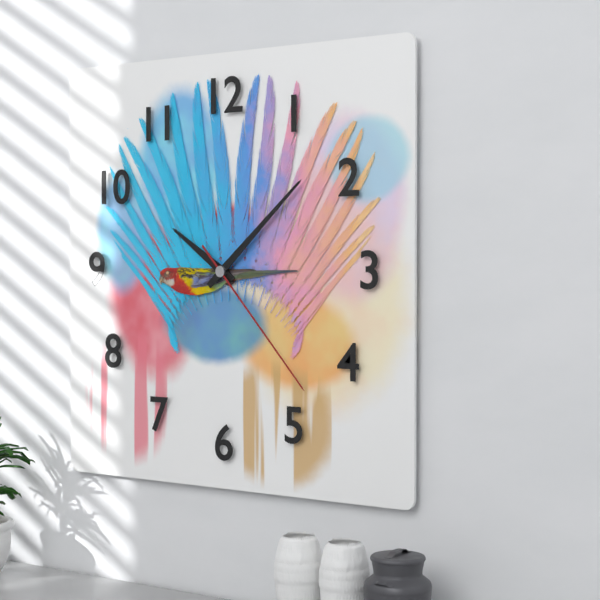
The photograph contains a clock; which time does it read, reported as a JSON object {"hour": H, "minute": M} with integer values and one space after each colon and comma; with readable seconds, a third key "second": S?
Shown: {"hour": 10, "minute": 8, "second": 23}
